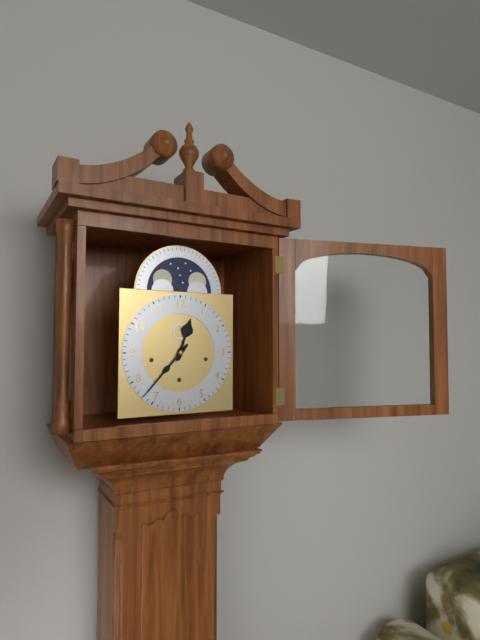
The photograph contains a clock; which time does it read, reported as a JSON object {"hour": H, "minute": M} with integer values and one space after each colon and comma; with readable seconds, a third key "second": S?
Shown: {"hour": 12, "minute": 37}
